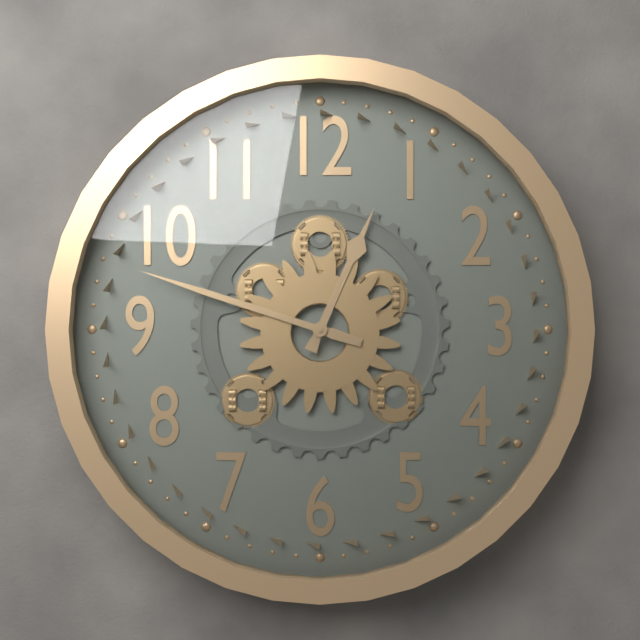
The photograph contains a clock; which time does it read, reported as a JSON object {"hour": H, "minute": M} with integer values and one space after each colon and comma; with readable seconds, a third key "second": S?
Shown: {"hour": 12, "minute": 48}
